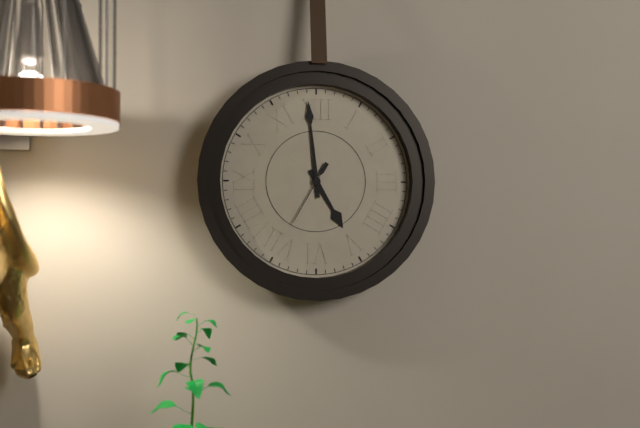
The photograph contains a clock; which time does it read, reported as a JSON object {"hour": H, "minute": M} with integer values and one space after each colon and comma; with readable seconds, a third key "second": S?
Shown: {"hour": 4, "minute": 59, "second": 35}
